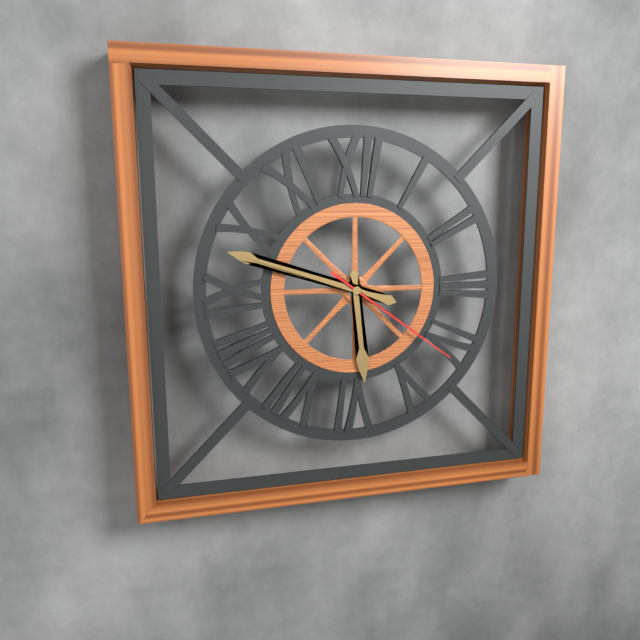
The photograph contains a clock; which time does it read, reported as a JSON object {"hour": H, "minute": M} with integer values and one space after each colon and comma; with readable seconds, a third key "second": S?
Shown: {"hour": 5, "minute": 48, "second": 21}
